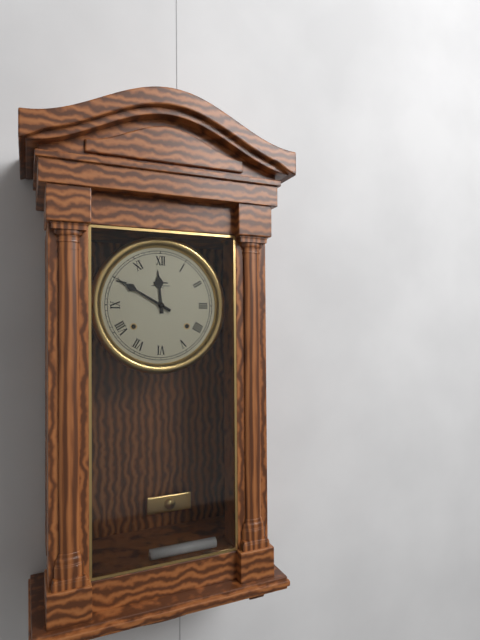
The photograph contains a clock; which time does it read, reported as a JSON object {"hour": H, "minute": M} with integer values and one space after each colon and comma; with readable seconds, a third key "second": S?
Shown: {"hour": 11, "minute": 50}
